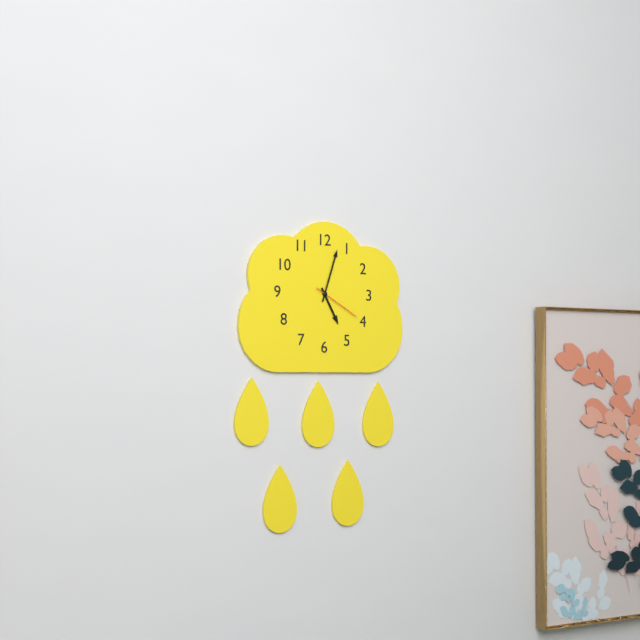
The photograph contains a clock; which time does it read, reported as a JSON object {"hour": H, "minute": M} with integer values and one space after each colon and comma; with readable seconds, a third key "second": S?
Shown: {"hour": 5, "minute": 3, "second": 20}
